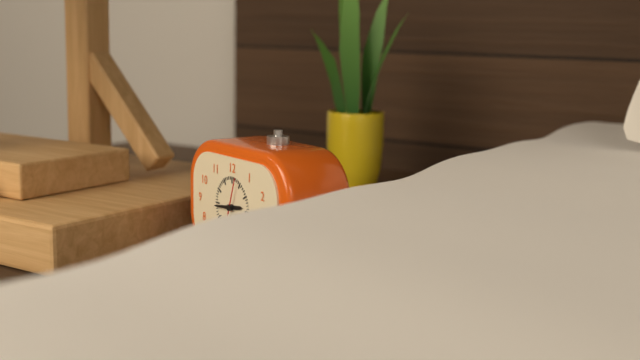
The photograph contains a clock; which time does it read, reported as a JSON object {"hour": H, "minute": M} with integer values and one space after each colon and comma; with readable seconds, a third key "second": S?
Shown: {"hour": 2, "minute": 44}
